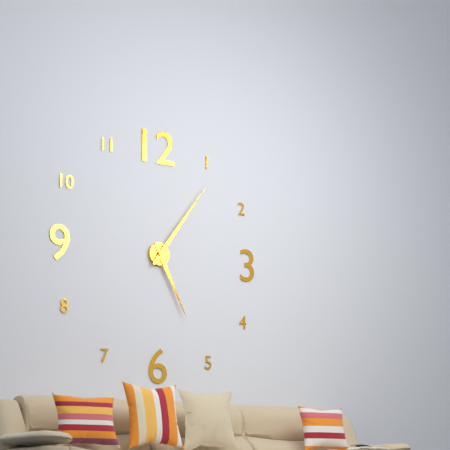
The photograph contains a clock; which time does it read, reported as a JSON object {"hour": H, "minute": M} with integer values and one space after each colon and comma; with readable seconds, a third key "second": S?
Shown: {"hour": 5, "minute": 6}
